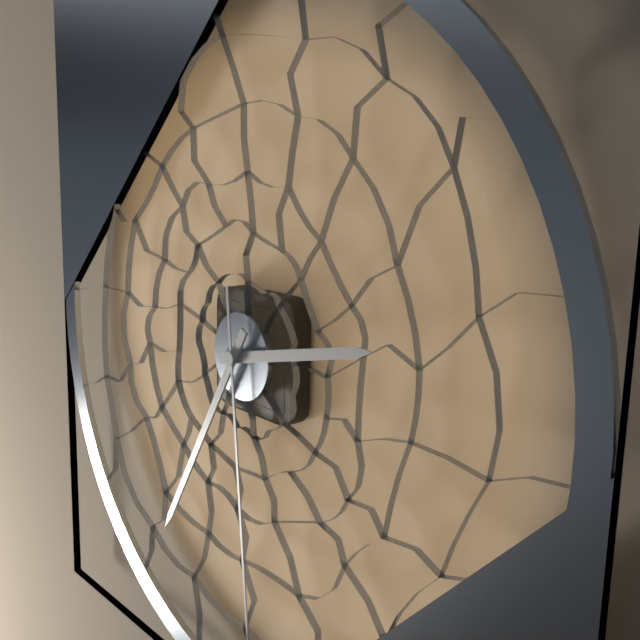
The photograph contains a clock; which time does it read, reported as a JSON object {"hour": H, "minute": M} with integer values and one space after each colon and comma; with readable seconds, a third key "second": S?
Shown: {"hour": 2, "minute": 35}
